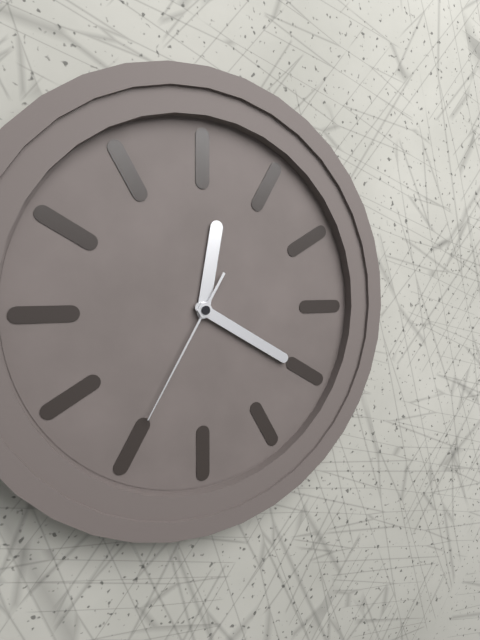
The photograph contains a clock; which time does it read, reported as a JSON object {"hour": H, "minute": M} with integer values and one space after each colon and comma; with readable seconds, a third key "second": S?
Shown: {"hour": 12, "minute": 20, "second": 35}
